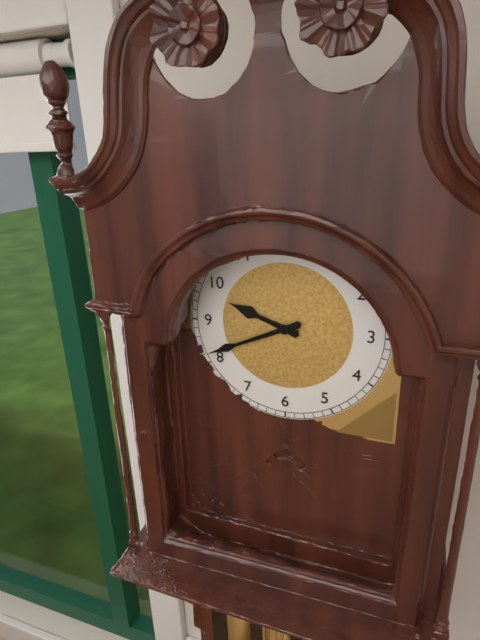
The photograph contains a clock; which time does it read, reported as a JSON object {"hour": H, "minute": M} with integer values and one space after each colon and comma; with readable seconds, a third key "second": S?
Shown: {"hour": 9, "minute": 41}
